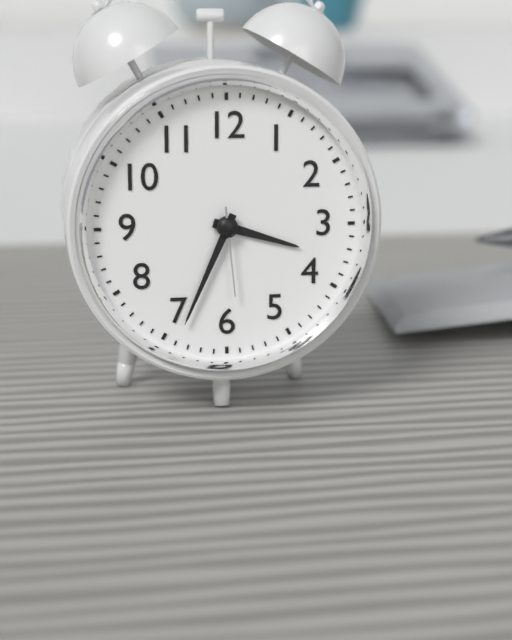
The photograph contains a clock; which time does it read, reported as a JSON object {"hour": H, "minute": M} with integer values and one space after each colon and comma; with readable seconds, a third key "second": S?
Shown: {"hour": 3, "minute": 34, "second": 29}
